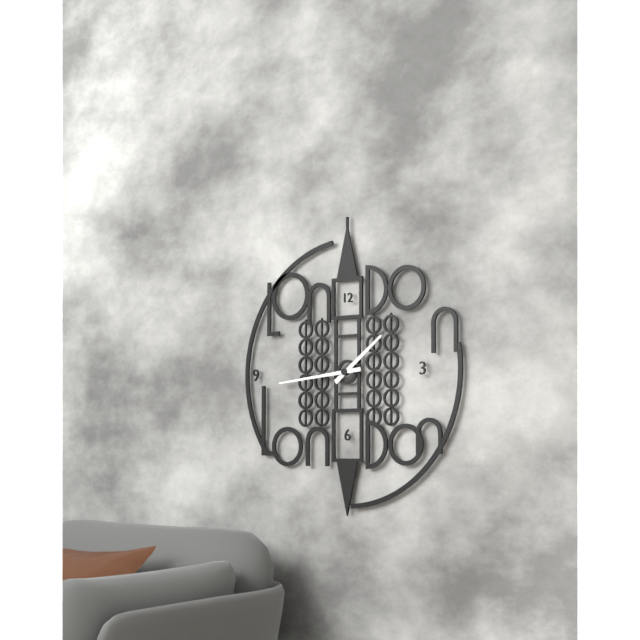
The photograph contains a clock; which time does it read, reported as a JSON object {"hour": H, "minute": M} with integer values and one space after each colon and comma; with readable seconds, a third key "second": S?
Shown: {"hour": 1, "minute": 44}
